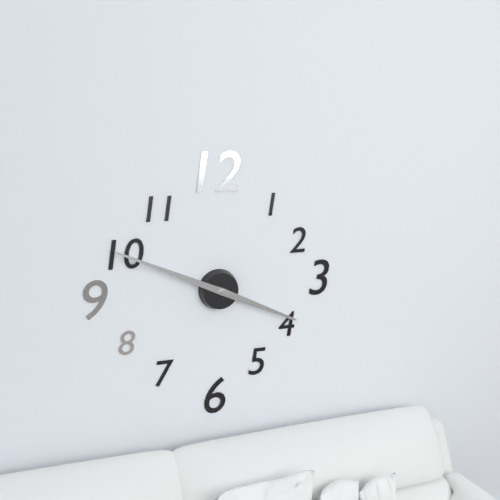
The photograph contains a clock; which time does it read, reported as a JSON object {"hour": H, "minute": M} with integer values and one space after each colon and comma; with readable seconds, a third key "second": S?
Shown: {"hour": 3, "minute": 49}
